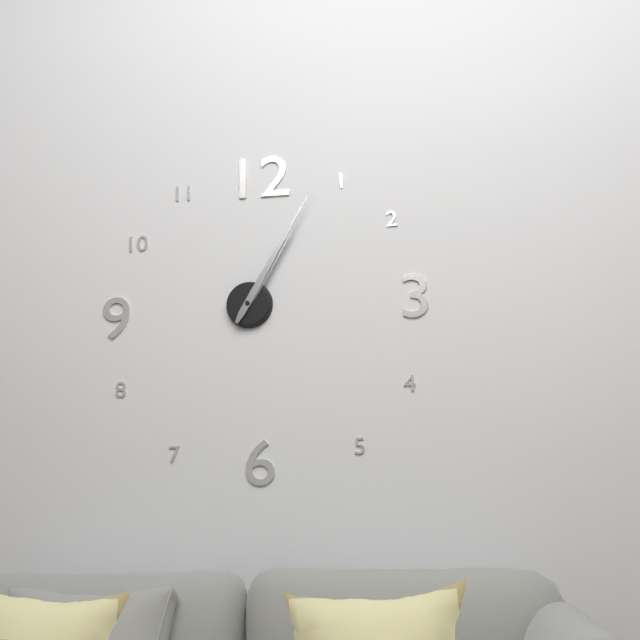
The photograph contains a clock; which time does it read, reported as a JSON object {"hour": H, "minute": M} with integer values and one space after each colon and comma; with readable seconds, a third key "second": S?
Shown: {"hour": 1, "minute": 5}
